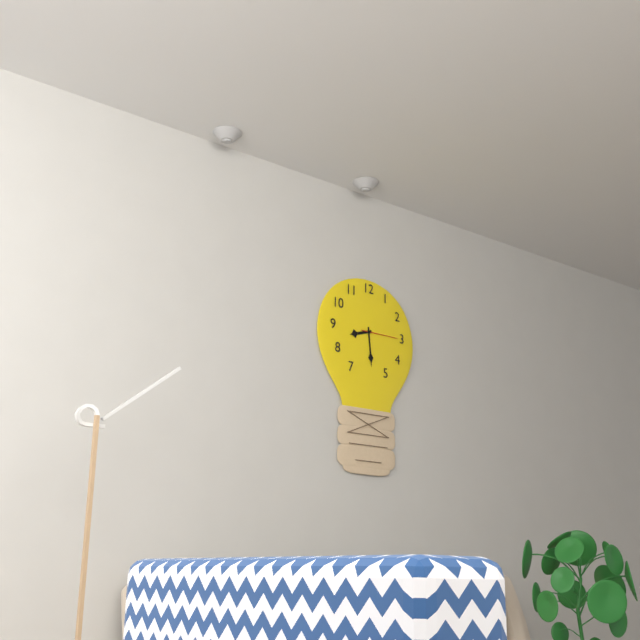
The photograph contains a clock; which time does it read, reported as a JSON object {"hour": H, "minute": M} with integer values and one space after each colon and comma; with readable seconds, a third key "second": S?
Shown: {"hour": 8, "minute": 29}
